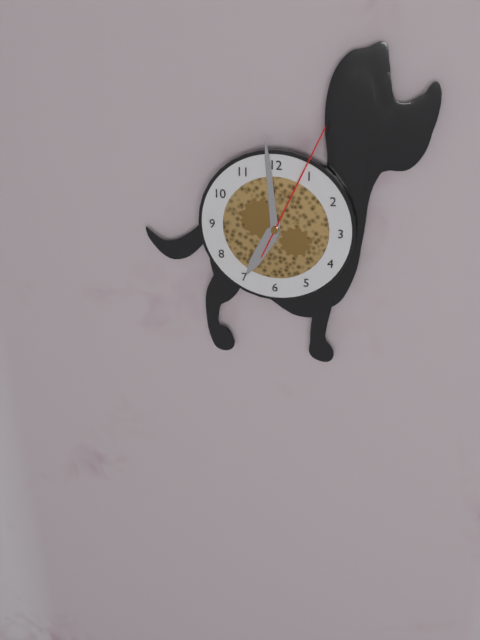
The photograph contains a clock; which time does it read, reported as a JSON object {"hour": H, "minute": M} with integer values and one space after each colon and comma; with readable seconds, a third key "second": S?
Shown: {"hour": 6, "minute": 59, "second": 4}
